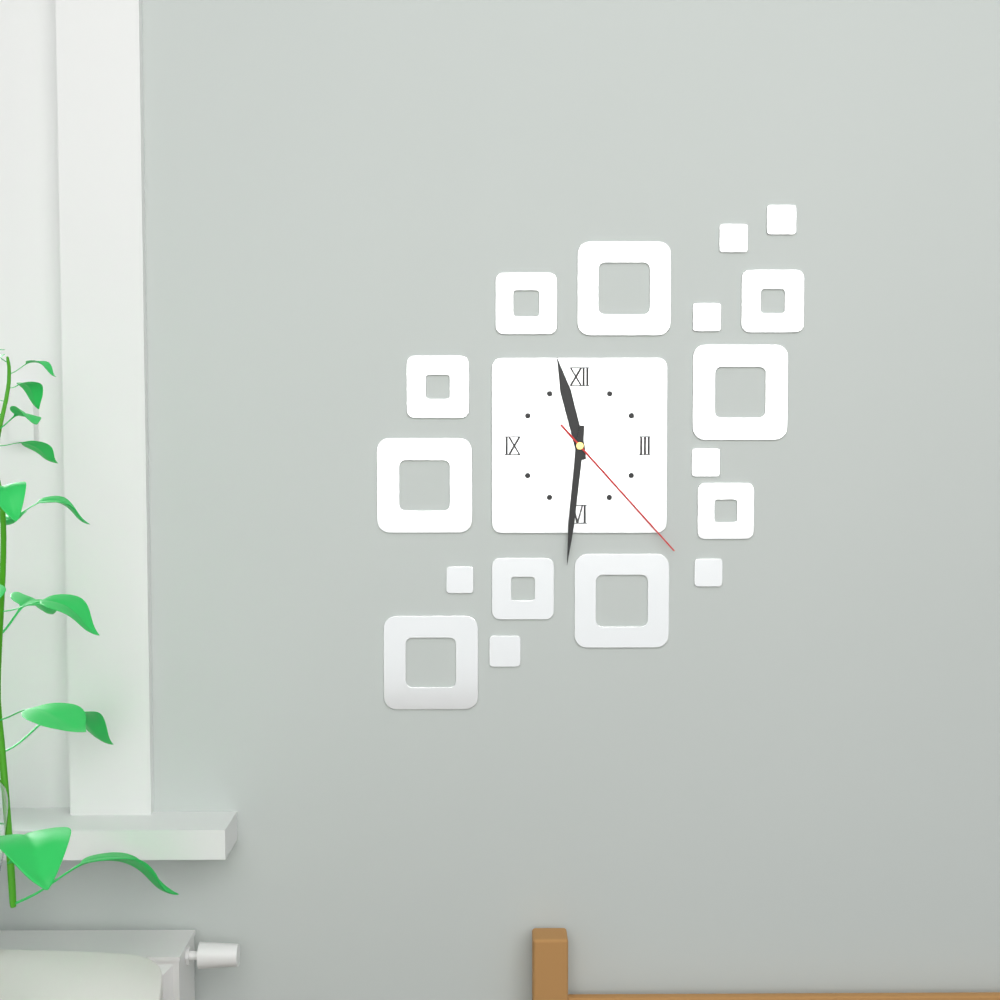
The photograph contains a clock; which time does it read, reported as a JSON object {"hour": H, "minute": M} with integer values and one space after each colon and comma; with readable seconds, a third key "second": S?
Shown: {"hour": 11, "minute": 31, "second": 23}
